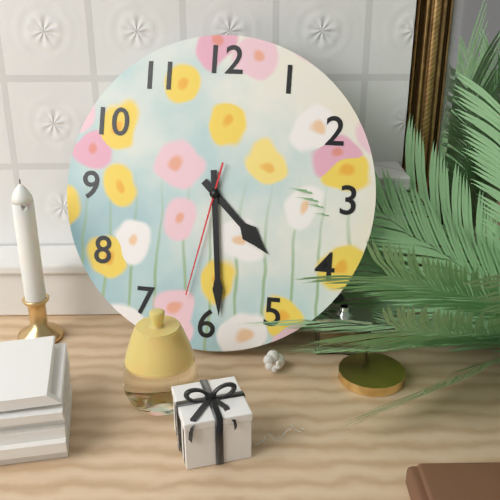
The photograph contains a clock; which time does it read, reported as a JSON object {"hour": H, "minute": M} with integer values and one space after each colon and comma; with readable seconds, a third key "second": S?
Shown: {"hour": 4, "minute": 29, "second": 32}
